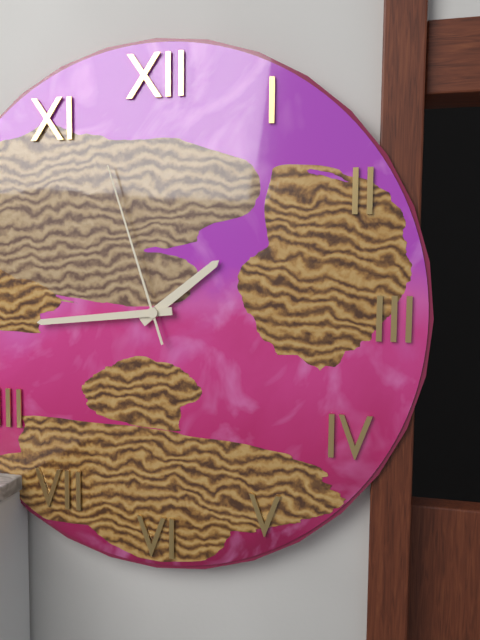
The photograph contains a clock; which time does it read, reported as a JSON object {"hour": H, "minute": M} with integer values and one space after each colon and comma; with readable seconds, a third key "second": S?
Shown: {"hour": 1, "minute": 44, "second": 57}
